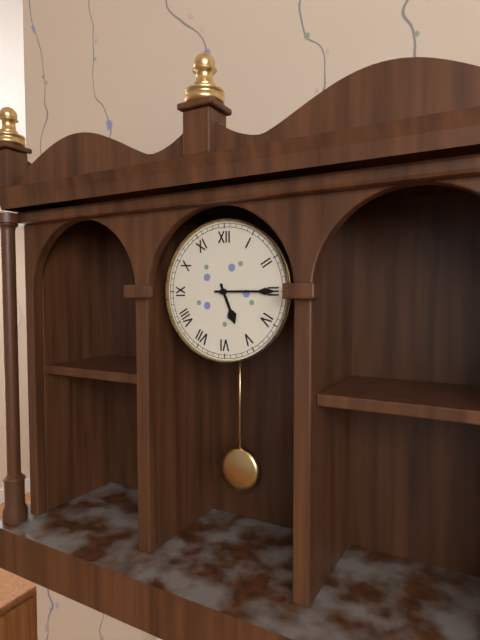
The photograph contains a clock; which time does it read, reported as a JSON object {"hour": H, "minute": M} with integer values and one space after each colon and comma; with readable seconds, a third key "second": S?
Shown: {"hour": 5, "minute": 15}
